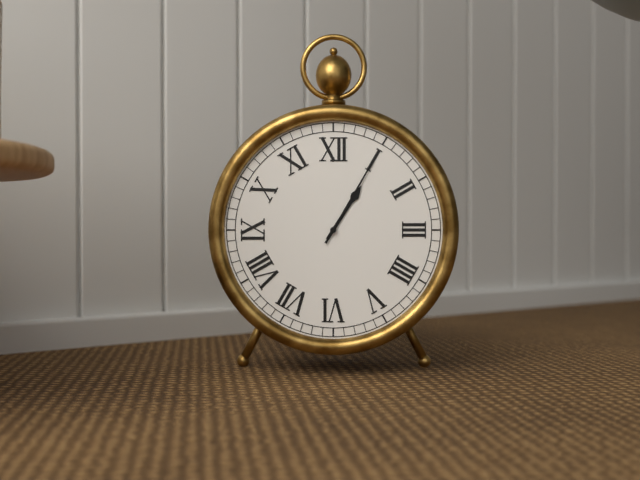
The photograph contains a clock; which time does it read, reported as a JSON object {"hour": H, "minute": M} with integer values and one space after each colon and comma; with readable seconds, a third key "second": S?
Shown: {"hour": 1, "minute": 5}
